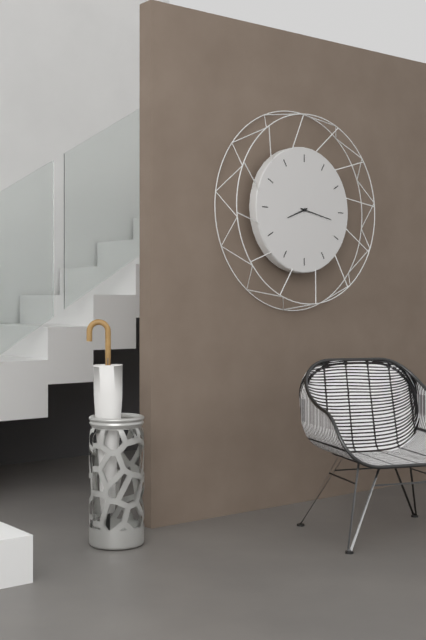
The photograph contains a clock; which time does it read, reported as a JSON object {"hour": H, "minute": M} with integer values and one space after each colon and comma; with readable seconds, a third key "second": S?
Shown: {"hour": 8, "minute": 17}
